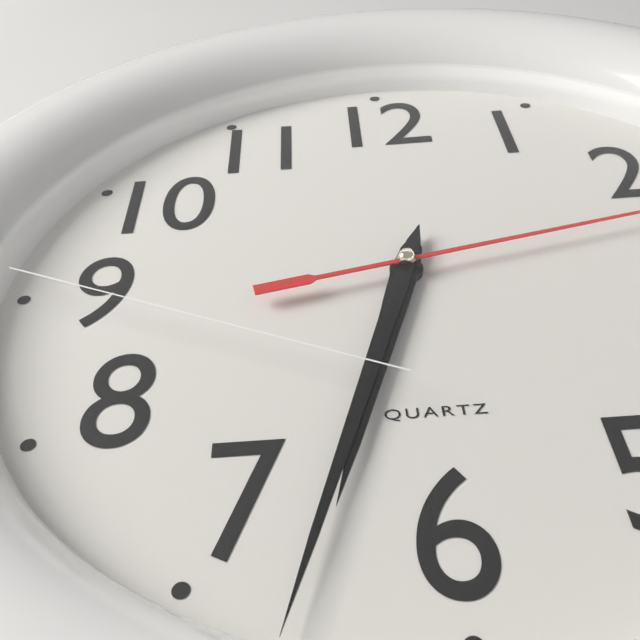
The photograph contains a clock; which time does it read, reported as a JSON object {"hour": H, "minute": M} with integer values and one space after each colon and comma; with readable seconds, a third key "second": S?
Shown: {"hour": 6, "minute": 33}
